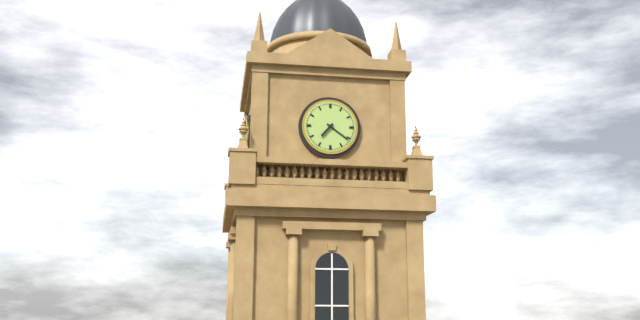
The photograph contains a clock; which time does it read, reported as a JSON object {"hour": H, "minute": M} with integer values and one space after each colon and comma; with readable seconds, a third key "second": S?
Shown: {"hour": 7, "minute": 21}
